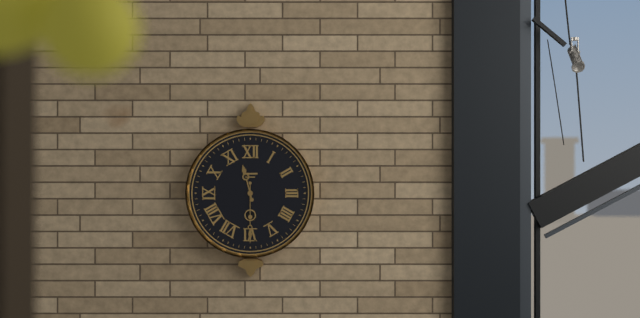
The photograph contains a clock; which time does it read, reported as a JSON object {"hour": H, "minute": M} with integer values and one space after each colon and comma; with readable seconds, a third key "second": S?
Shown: {"hour": 11, "minute": 30}
